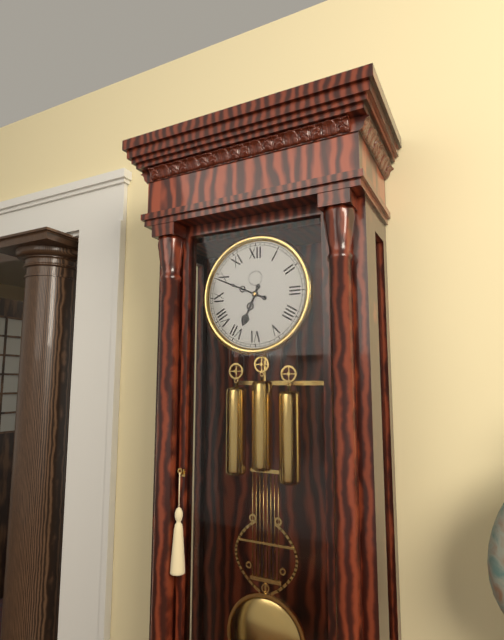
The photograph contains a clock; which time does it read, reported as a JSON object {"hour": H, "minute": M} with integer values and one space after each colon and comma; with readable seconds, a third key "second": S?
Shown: {"hour": 6, "minute": 49}
